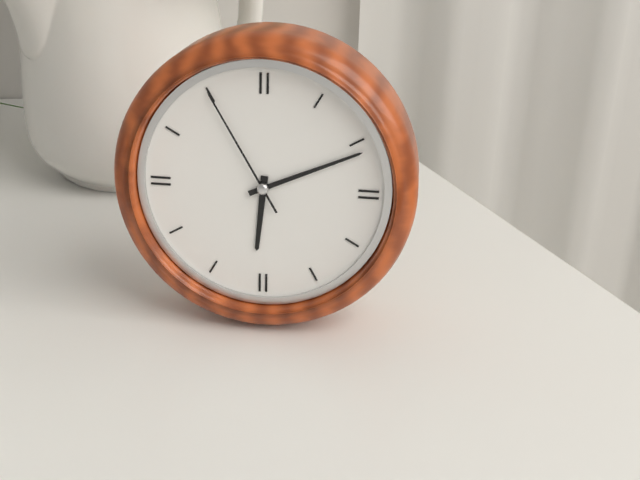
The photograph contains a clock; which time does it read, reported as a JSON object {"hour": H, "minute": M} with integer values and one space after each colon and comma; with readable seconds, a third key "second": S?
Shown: {"hour": 6, "minute": 11, "second": 55}
